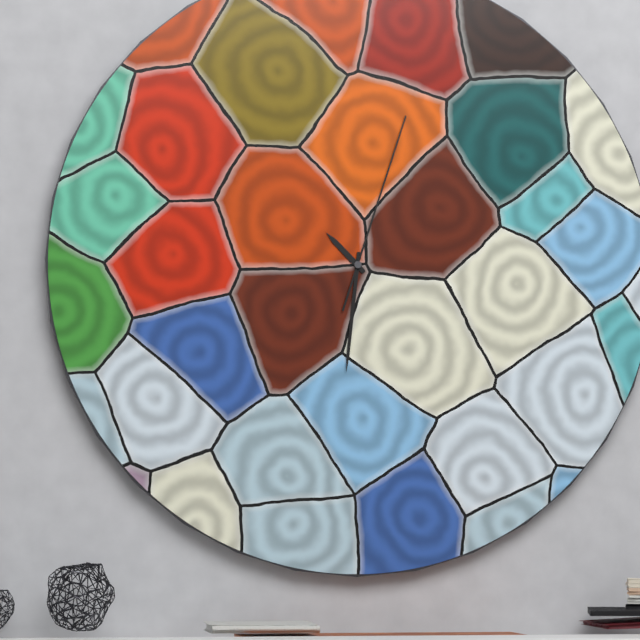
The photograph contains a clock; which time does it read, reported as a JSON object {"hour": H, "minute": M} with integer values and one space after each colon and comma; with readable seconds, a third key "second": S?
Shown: {"hour": 10, "minute": 31, "second": 3}
